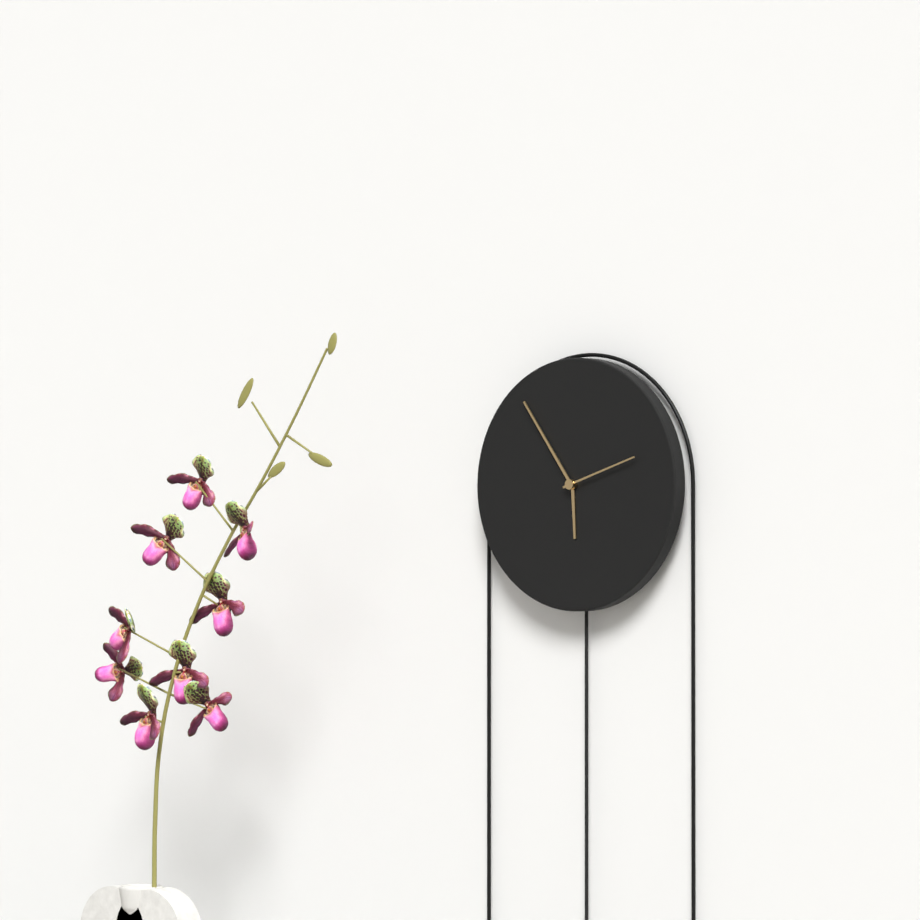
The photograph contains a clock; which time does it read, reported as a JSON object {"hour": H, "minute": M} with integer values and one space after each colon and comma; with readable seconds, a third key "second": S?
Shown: {"hour": 5, "minute": 54, "second": 12}
